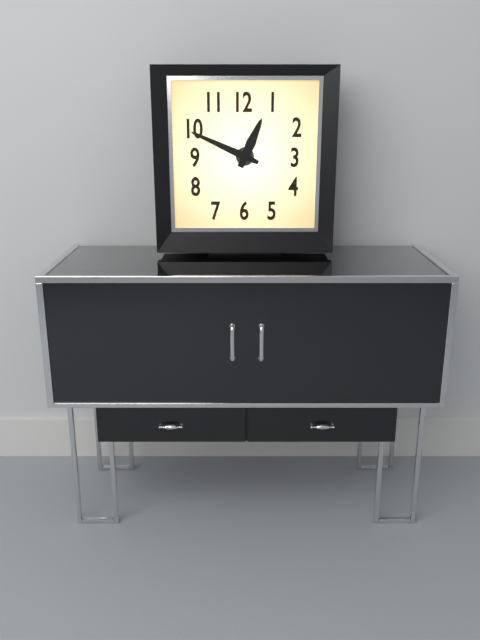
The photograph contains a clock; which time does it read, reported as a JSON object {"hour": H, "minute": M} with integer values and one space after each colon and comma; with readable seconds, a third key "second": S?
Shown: {"hour": 12, "minute": 49}
